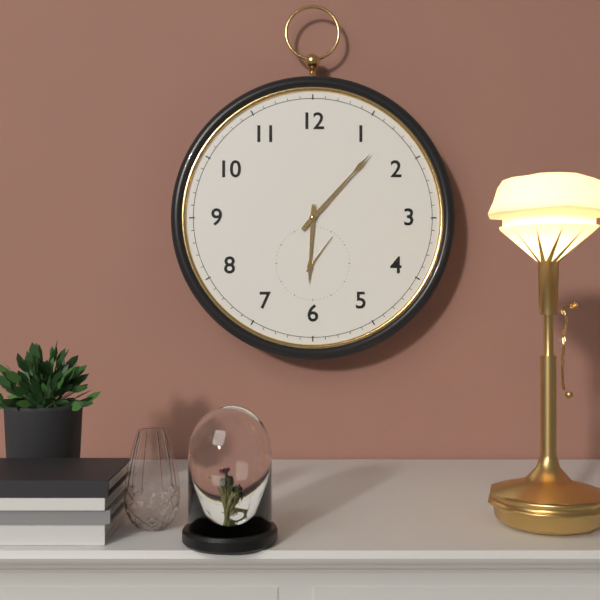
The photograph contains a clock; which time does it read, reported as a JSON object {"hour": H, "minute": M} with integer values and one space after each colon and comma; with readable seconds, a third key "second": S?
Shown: {"hour": 6, "minute": 7}
